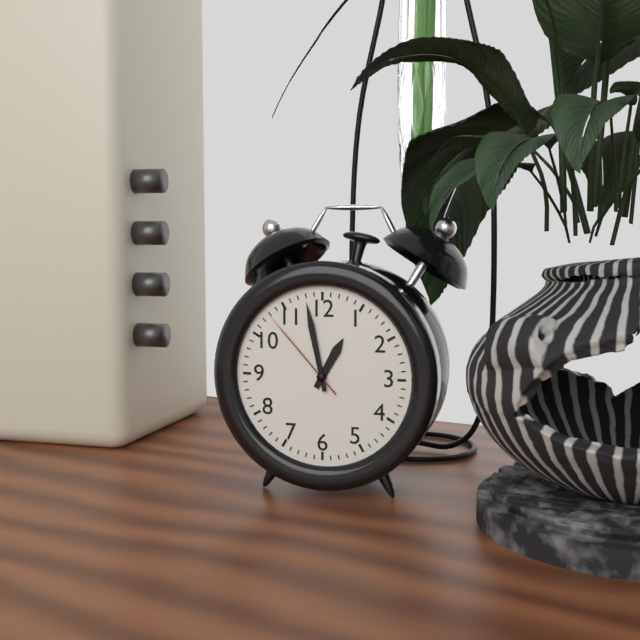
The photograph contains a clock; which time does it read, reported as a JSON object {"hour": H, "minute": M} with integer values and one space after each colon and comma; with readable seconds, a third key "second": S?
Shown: {"hour": 12, "minute": 58, "second": 53}
